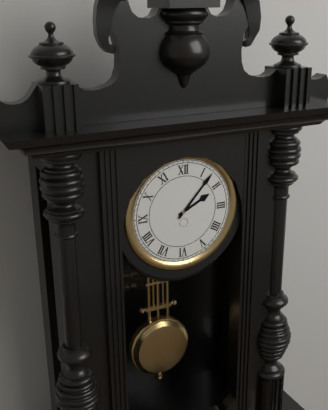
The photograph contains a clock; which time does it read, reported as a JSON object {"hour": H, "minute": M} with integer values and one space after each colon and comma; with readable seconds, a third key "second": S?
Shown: {"hour": 2, "minute": 7}
